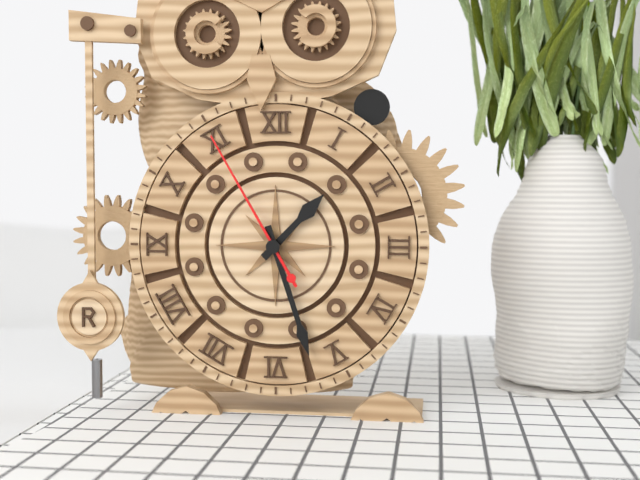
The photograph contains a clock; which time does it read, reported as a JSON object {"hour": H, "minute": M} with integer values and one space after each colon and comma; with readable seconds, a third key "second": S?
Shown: {"hour": 1, "minute": 27, "second": 55}
